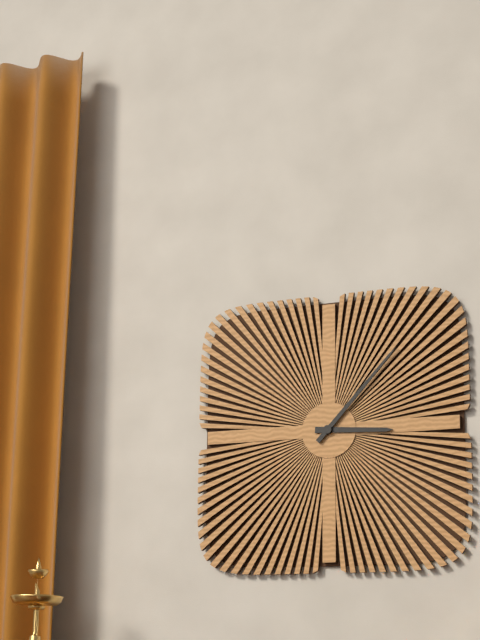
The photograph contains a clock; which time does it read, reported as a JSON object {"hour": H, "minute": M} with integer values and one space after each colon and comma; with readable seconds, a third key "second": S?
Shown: {"hour": 3, "minute": 7}
